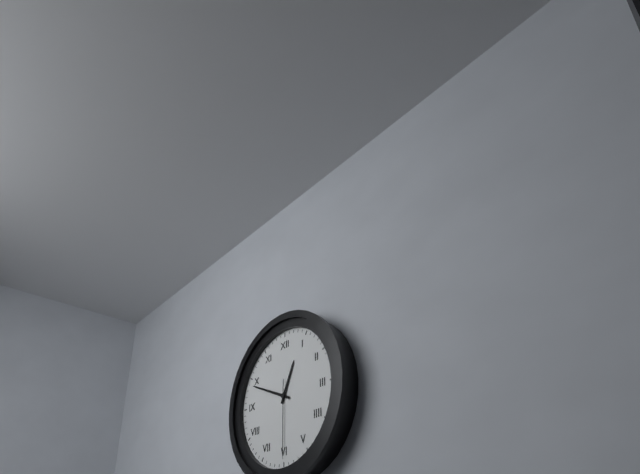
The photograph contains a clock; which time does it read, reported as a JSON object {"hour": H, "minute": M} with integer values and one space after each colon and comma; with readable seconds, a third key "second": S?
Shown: {"hour": 12, "minute": 49, "second": 30}
